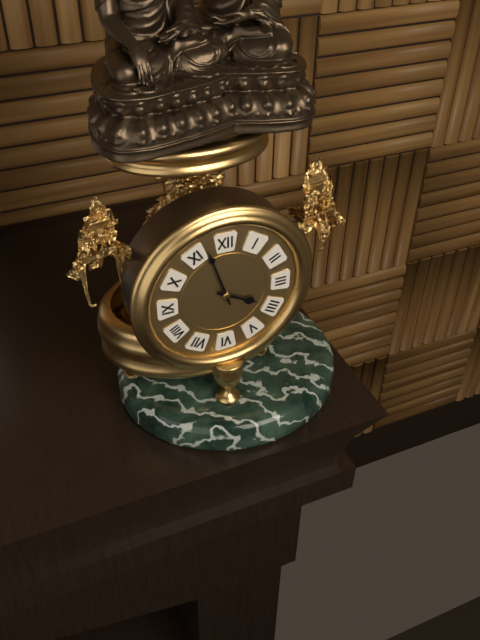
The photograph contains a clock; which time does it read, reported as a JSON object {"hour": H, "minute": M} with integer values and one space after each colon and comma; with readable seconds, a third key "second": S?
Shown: {"hour": 3, "minute": 57}
